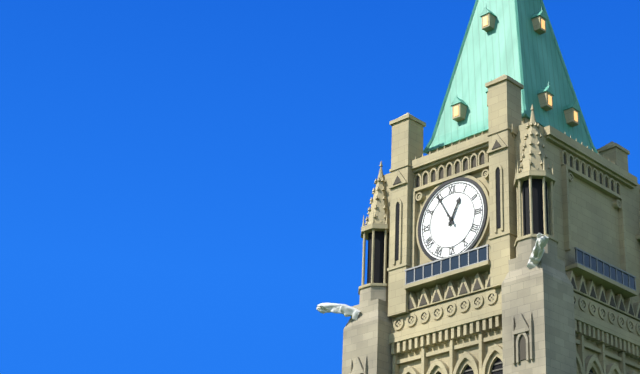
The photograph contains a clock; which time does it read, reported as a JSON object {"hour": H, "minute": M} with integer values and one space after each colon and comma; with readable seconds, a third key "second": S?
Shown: {"hour": 12, "minute": 55}
